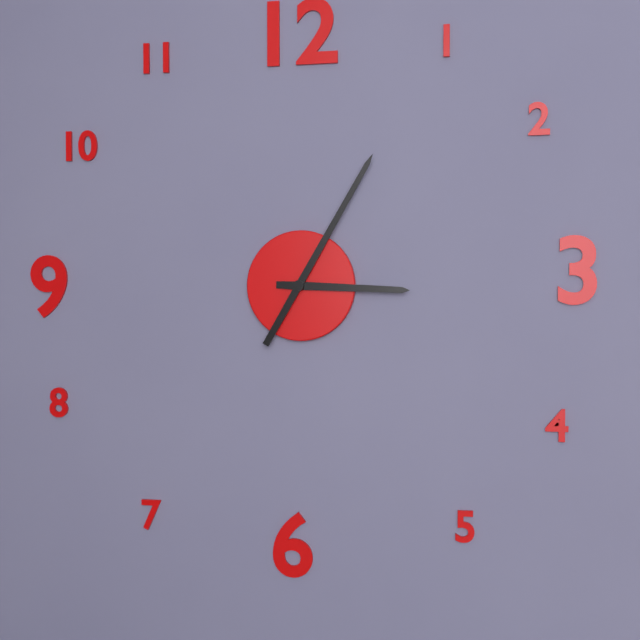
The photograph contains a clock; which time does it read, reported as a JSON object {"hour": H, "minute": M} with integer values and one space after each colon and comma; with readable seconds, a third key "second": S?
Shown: {"hour": 3, "minute": 5}
